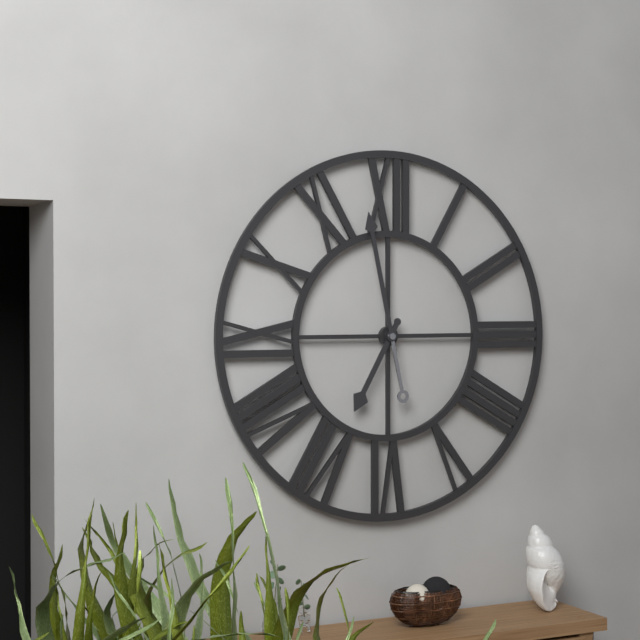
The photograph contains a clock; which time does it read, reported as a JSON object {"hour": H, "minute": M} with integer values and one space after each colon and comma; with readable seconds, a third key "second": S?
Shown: {"hour": 6, "minute": 58}
